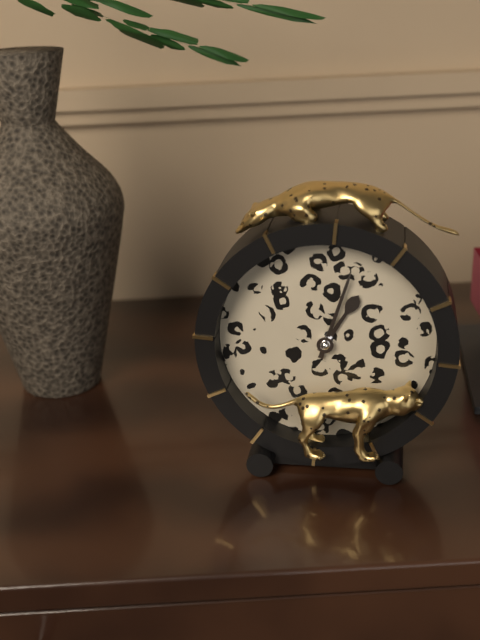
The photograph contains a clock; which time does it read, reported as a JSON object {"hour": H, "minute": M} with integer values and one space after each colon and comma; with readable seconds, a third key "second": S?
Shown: {"hour": 1, "minute": 3}
